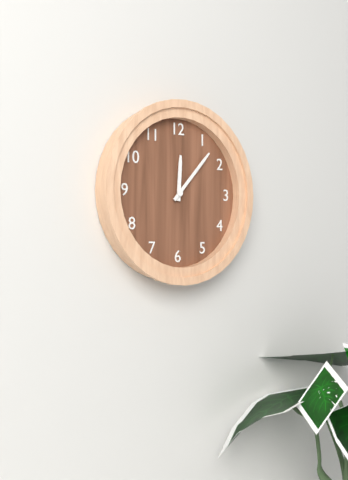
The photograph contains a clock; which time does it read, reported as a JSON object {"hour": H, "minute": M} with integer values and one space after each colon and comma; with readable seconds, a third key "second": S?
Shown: {"hour": 12, "minute": 7}
